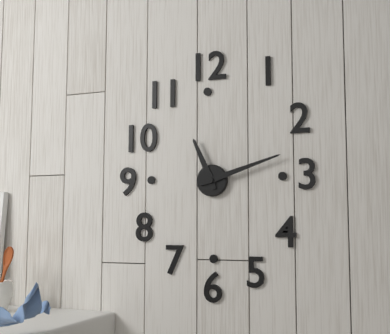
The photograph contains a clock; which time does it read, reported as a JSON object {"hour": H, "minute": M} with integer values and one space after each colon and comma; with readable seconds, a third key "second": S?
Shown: {"hour": 11, "minute": 12}
